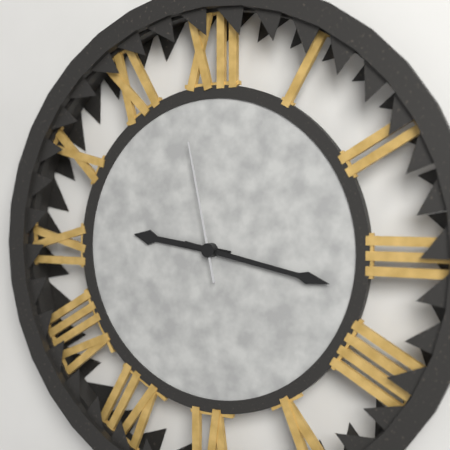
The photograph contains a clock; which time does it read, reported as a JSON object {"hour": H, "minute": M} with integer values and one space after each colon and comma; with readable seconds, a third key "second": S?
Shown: {"hour": 9, "minute": 17, "second": 58}
